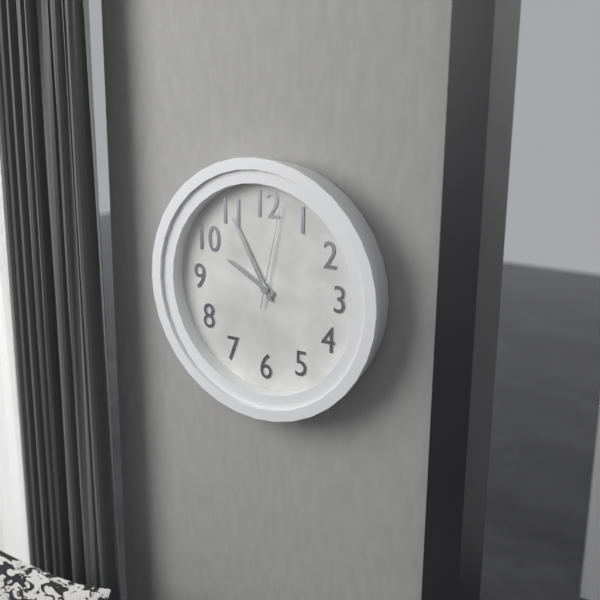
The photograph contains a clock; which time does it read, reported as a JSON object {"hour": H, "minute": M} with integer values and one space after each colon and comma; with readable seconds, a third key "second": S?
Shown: {"hour": 9, "minute": 55, "second": 2}
